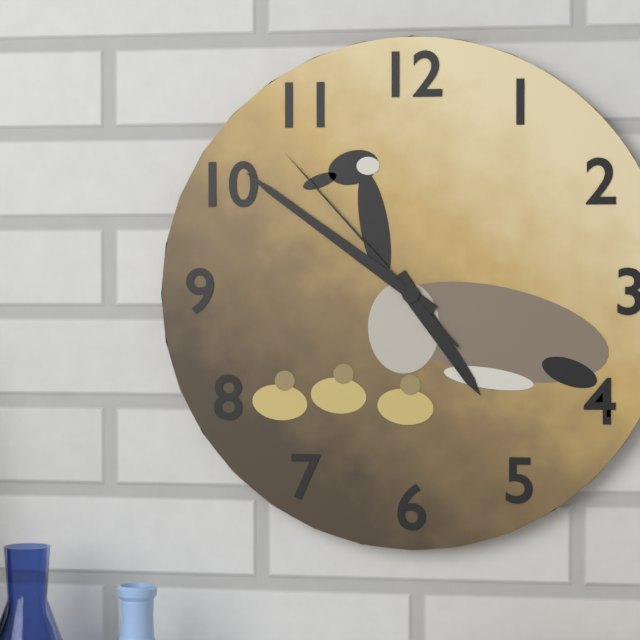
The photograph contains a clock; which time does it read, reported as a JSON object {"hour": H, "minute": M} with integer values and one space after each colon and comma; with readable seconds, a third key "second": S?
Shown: {"hour": 4, "minute": 51, "second": 53}
